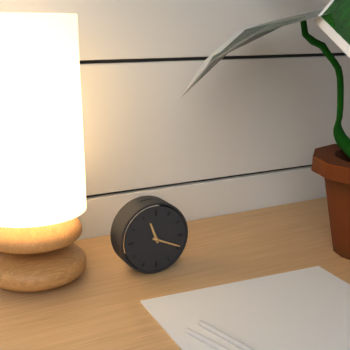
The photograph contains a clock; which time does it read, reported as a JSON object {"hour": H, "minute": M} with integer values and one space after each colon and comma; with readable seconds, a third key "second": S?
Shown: {"hour": 11, "minute": 19}
